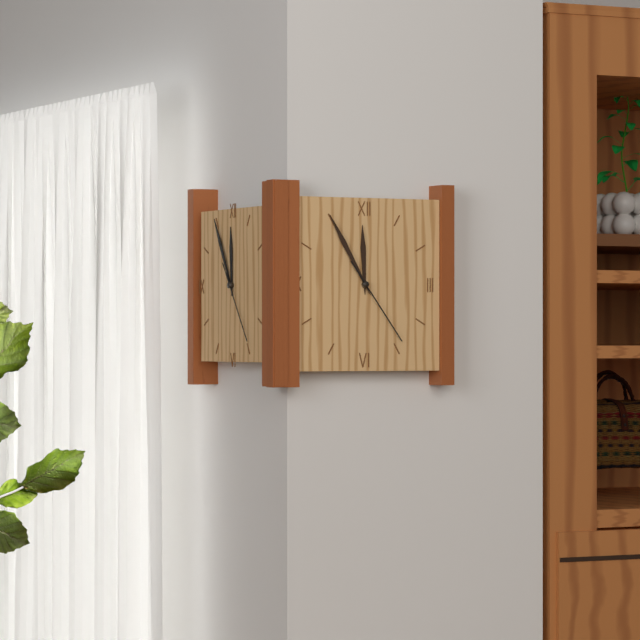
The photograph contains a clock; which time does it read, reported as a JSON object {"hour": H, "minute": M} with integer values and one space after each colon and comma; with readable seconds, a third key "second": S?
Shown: {"hour": 11, "minute": 55, "second": 24}
